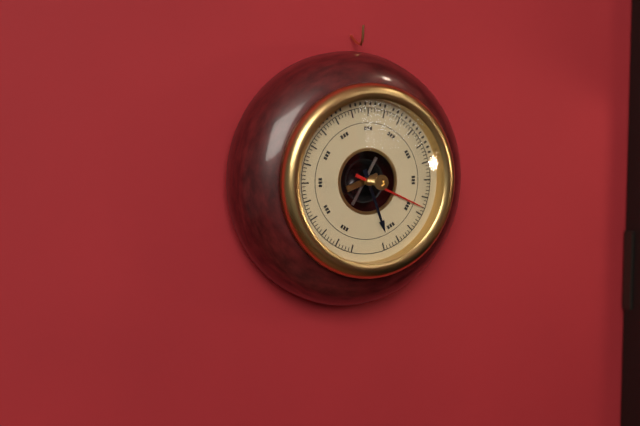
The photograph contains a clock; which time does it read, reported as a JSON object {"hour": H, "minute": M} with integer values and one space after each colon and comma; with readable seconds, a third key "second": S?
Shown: {"hour": 5, "minute": 19}
